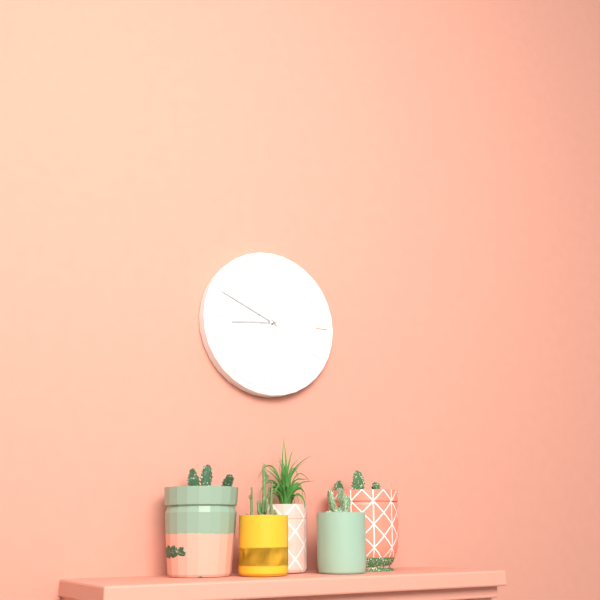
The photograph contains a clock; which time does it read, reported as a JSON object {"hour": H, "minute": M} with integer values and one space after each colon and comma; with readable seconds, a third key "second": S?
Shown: {"hour": 8, "minute": 49}
